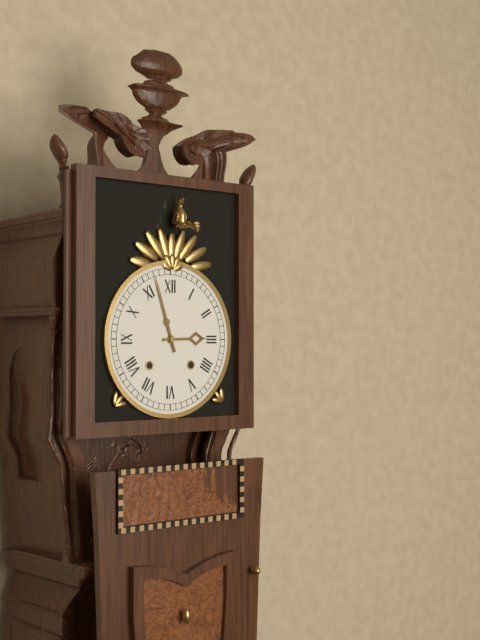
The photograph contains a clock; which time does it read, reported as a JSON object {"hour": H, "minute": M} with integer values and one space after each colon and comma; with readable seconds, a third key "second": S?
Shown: {"hour": 2, "minute": 57}
